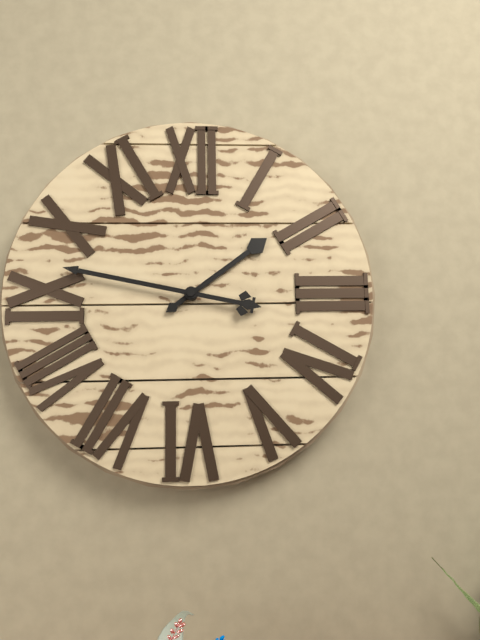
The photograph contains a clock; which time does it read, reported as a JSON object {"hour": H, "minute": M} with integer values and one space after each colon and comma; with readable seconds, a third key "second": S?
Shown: {"hour": 1, "minute": 47}
